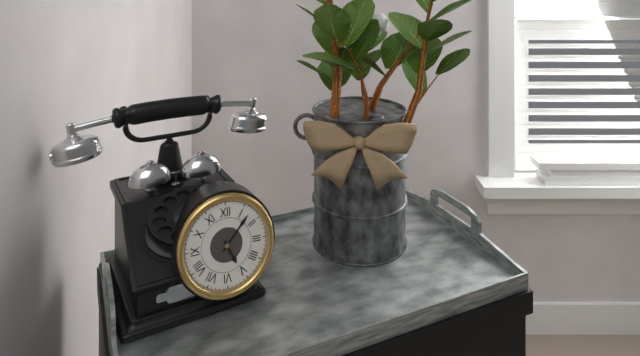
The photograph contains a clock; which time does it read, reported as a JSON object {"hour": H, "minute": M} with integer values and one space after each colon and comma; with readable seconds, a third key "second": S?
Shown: {"hour": 5, "minute": 7}
